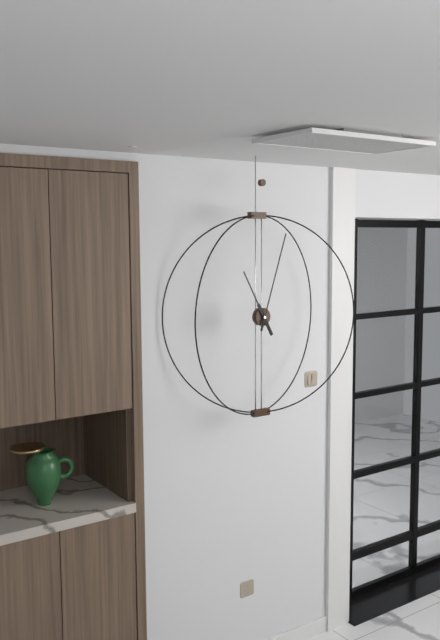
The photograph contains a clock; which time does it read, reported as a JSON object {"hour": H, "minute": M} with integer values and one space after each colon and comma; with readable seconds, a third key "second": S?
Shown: {"hour": 11, "minute": 3}
